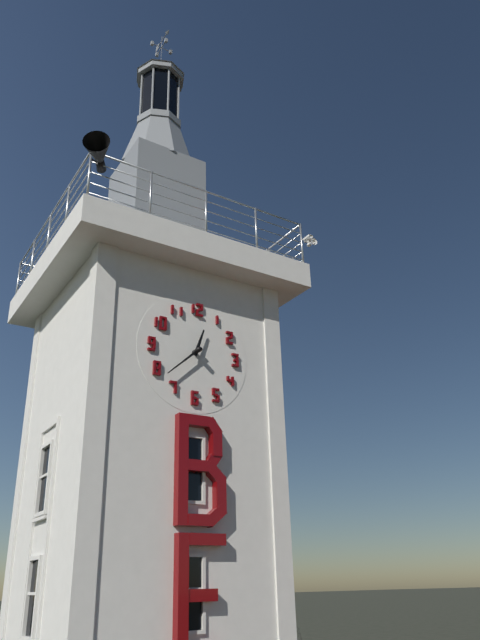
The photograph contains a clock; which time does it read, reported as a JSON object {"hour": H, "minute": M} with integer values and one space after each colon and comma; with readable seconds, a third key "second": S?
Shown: {"hour": 12, "minute": 38}
